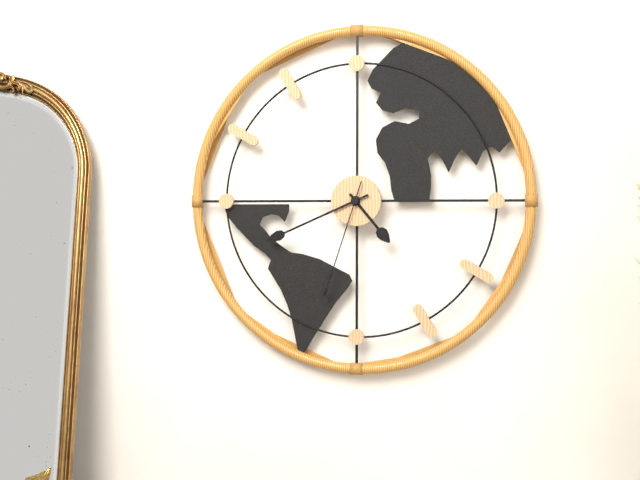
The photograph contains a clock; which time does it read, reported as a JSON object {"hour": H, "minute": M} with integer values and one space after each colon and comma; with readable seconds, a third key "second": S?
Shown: {"hour": 4, "minute": 41, "second": 33}
